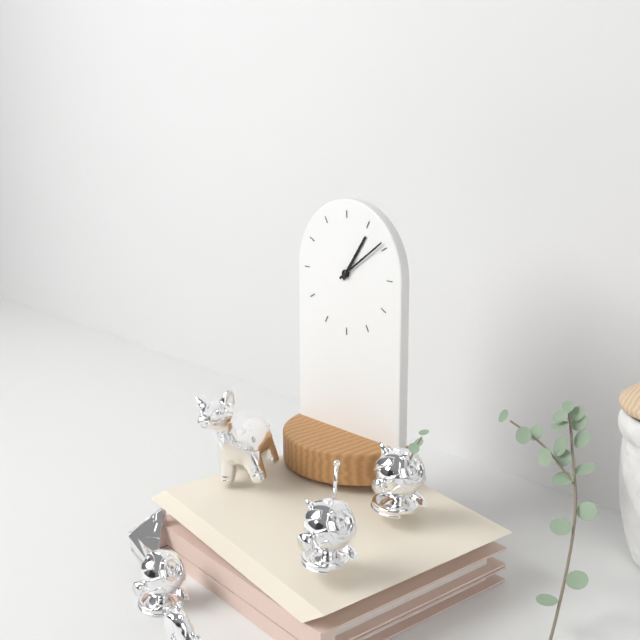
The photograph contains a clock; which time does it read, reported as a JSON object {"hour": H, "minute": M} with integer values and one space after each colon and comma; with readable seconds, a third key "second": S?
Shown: {"hour": 1, "minute": 9}
